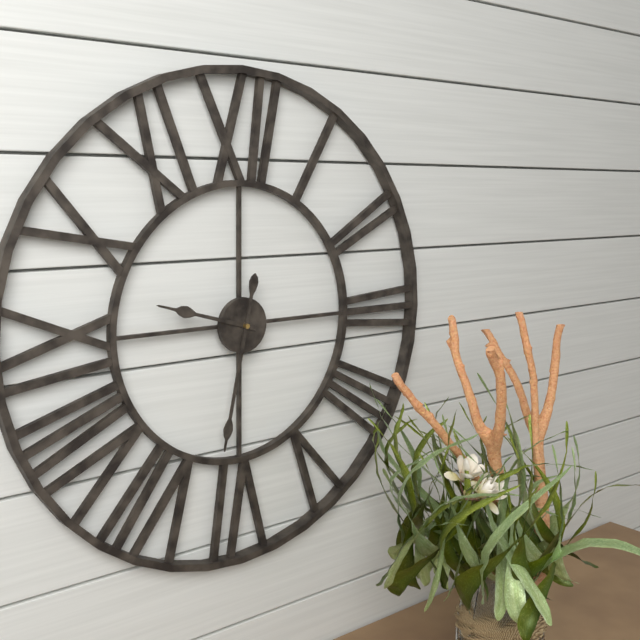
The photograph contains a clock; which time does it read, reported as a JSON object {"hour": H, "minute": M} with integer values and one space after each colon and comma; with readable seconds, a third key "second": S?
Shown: {"hour": 9, "minute": 32}
